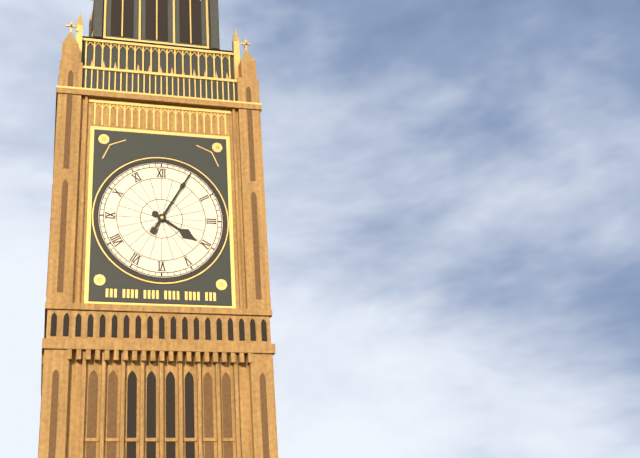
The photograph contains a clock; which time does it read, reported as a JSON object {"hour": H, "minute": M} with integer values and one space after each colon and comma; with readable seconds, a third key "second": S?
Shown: {"hour": 4, "minute": 5}
